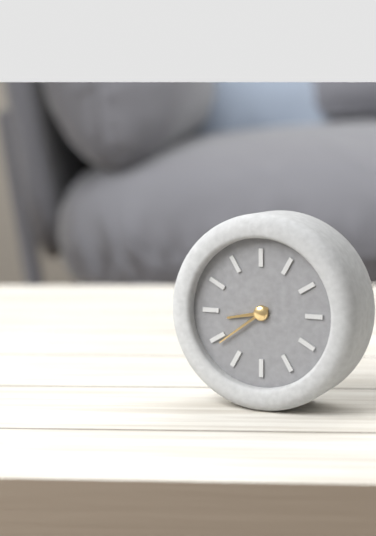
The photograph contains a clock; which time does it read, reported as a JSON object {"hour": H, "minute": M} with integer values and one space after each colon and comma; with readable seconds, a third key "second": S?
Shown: {"hour": 8, "minute": 39}
